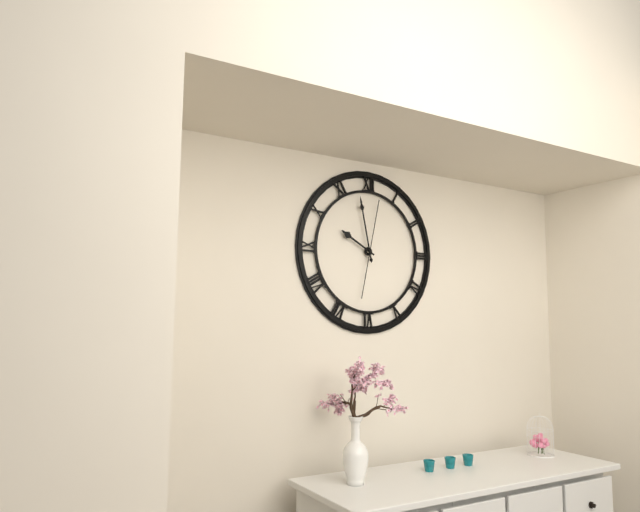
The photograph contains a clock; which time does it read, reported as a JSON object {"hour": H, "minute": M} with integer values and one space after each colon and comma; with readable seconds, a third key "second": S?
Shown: {"hour": 9, "minute": 58, "second": 2}
